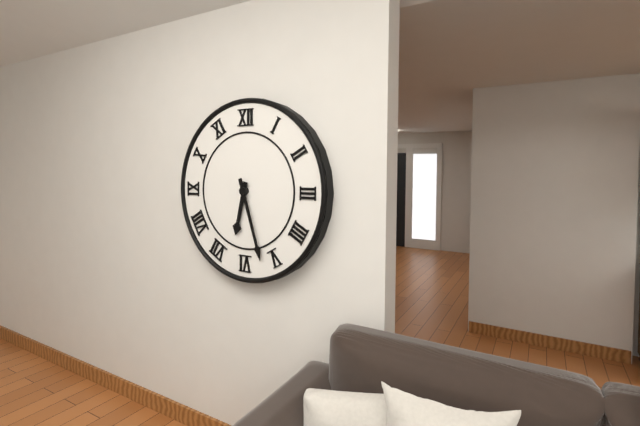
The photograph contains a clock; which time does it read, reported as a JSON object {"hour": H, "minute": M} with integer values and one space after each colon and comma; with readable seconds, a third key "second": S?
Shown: {"hour": 6, "minute": 27}
